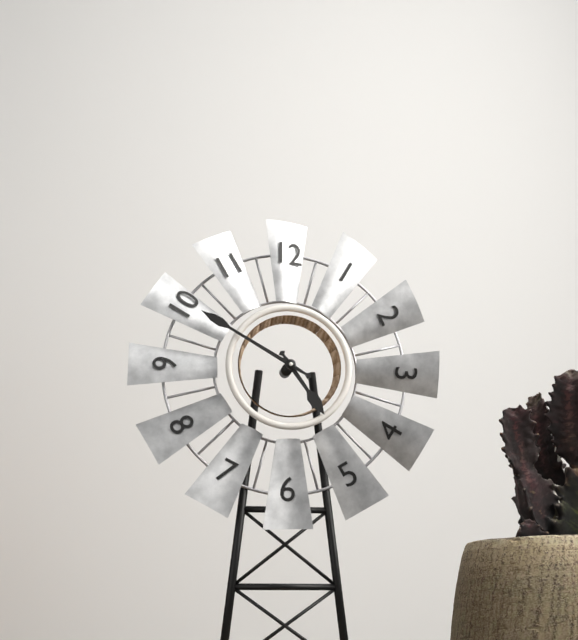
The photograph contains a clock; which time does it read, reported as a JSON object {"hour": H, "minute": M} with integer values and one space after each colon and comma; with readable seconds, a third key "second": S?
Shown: {"hour": 4, "minute": 50}
